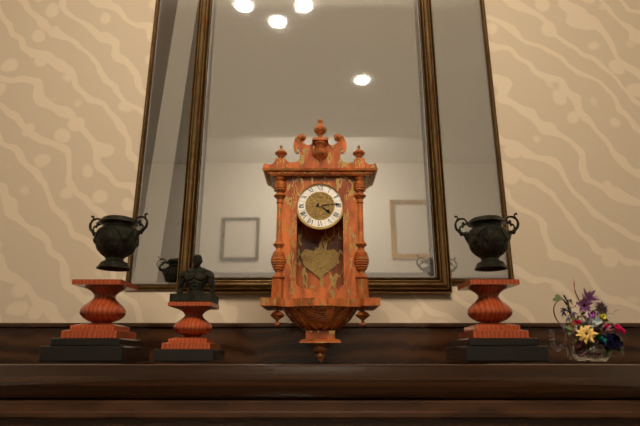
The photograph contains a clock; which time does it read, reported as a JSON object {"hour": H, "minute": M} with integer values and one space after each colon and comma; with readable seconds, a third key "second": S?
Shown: {"hour": 4, "minute": 14}
